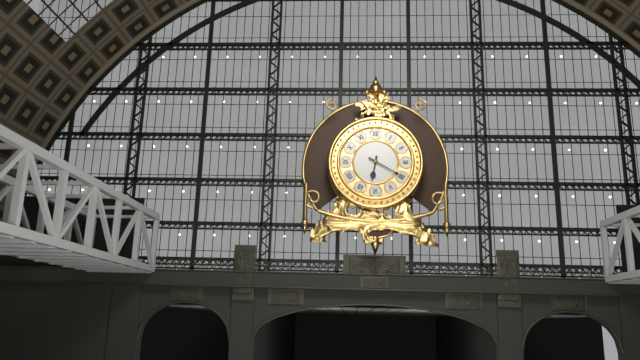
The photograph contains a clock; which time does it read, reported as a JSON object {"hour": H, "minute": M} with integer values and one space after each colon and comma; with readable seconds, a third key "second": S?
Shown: {"hour": 6, "minute": 20}
